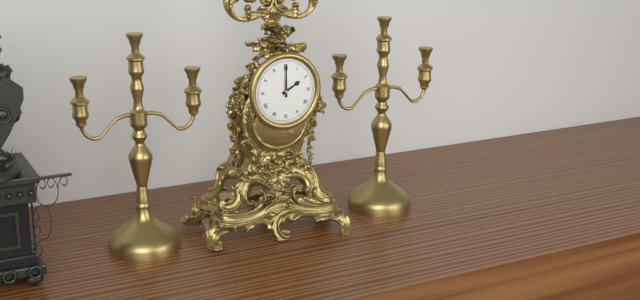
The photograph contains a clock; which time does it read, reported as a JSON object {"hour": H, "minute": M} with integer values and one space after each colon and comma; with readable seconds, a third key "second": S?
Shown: {"hour": 2, "minute": 0}
